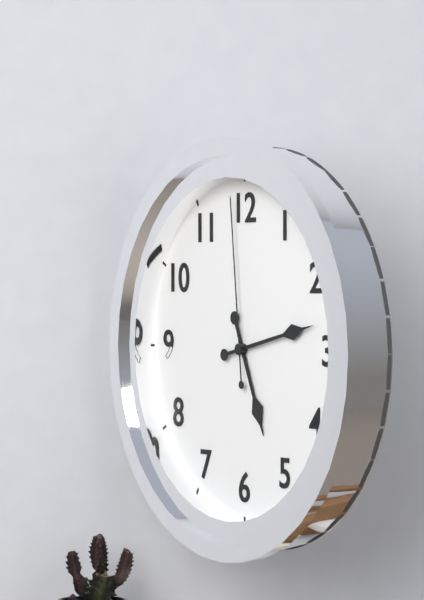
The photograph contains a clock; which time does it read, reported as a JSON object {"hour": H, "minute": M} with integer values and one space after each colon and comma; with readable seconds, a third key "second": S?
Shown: {"hour": 5, "minute": 13, "second": 59}
